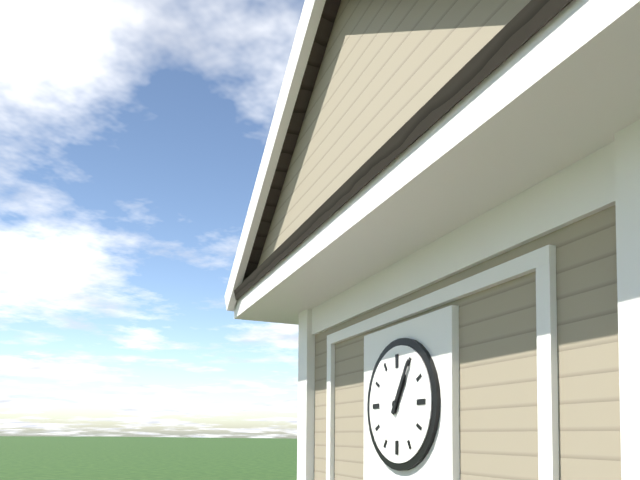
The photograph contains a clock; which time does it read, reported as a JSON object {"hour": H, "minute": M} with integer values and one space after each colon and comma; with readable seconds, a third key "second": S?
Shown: {"hour": 1, "minute": 5}
